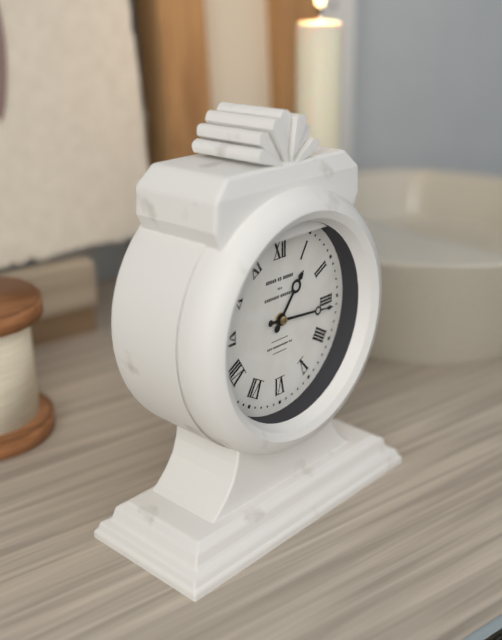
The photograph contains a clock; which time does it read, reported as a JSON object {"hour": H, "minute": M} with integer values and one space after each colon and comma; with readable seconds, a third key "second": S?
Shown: {"hour": 1, "minute": 16}
